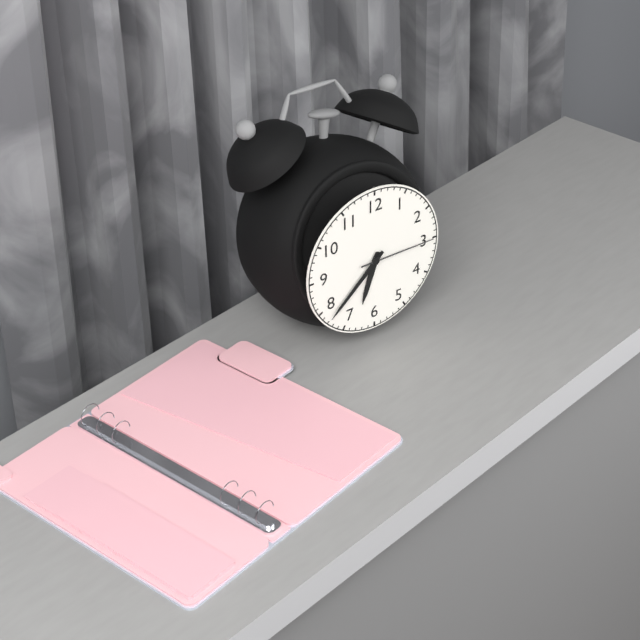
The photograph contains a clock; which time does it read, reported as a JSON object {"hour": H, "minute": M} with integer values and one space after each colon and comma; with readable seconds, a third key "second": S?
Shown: {"hour": 6, "minute": 38, "second": 15}
